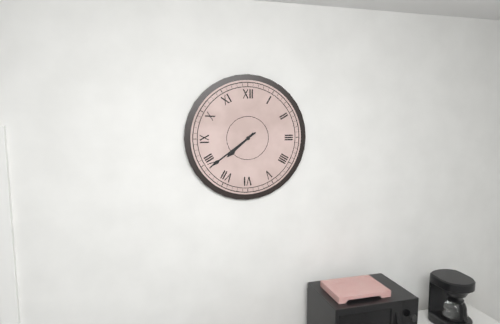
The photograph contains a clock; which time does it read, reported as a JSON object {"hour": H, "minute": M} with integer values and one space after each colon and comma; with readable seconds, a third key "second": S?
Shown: {"hour": 7, "minute": 39}
